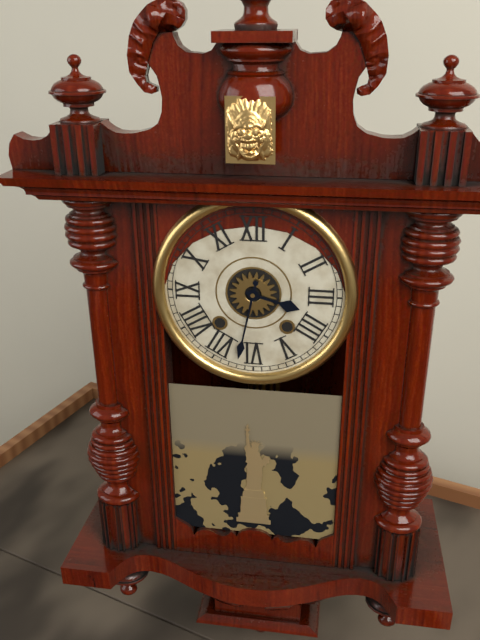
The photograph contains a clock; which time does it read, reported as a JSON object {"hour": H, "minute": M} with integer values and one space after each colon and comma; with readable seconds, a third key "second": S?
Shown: {"hour": 3, "minute": 32}
